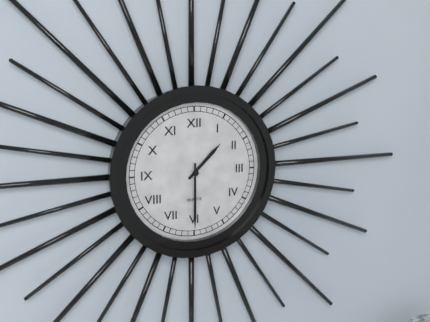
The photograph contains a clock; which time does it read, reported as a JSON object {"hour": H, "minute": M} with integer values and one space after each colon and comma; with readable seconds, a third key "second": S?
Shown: {"hour": 1, "minute": 30}
